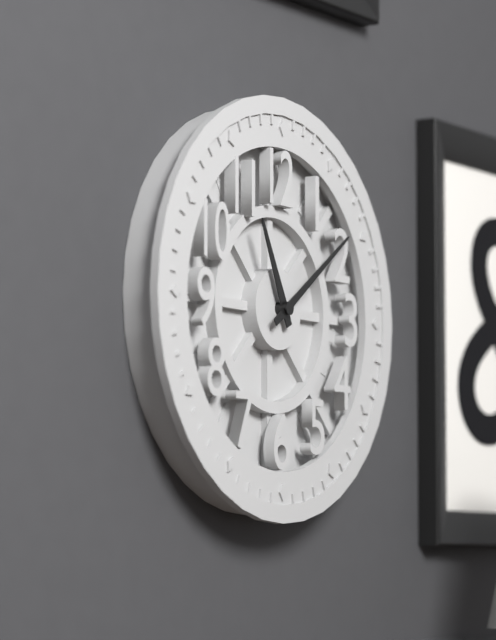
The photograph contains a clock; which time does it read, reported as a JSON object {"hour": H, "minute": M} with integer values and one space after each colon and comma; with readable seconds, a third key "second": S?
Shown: {"hour": 11, "minute": 9}
